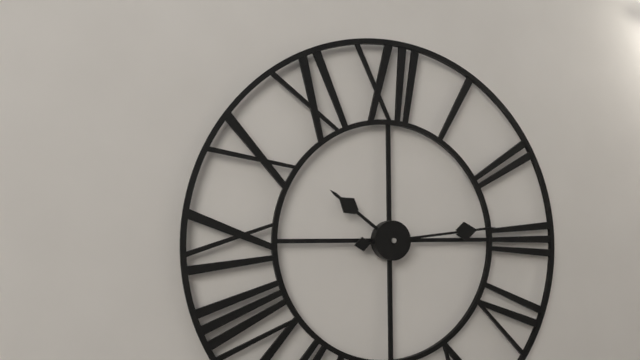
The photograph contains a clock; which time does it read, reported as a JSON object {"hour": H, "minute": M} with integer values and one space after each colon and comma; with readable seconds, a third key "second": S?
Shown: {"hour": 10, "minute": 14}
